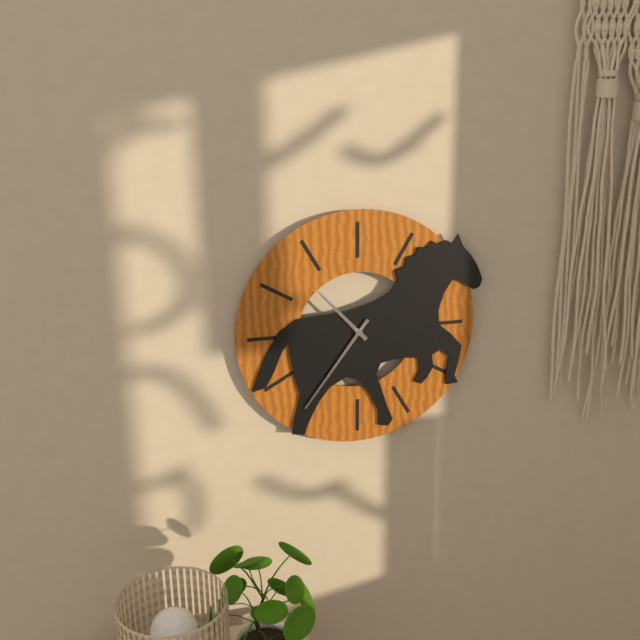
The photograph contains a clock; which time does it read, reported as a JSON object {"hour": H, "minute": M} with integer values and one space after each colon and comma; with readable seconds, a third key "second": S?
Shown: {"hour": 10, "minute": 36}
